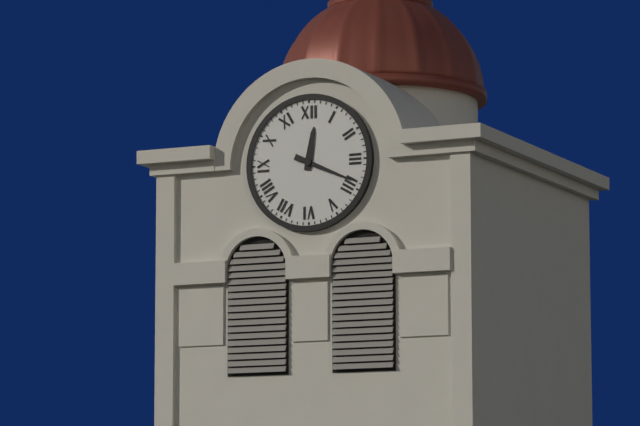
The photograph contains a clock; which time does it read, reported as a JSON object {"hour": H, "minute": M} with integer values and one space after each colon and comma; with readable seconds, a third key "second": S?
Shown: {"hour": 12, "minute": 19}
